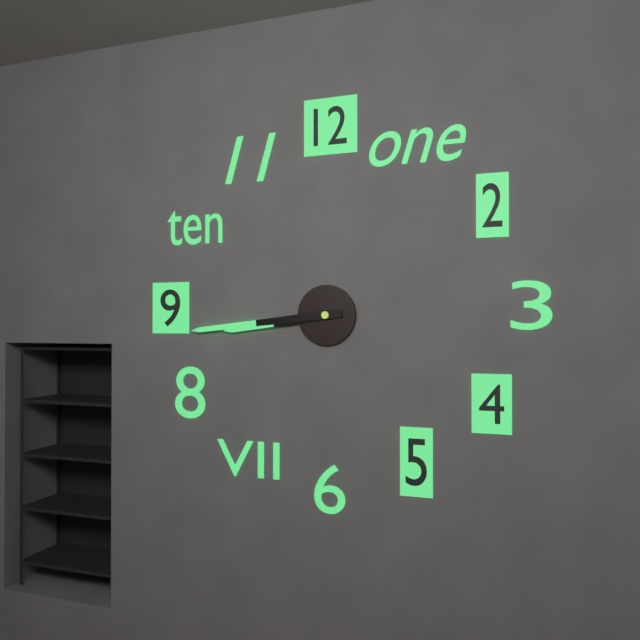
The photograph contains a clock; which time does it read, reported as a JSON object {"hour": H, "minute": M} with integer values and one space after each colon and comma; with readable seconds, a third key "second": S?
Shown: {"hour": 8, "minute": 44}
